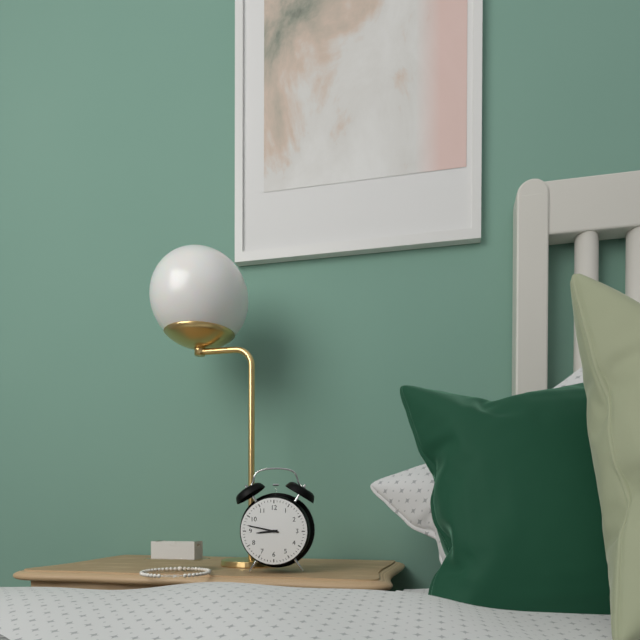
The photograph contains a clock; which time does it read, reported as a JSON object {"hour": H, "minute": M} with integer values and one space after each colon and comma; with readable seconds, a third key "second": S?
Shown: {"hour": 8, "minute": 47}
